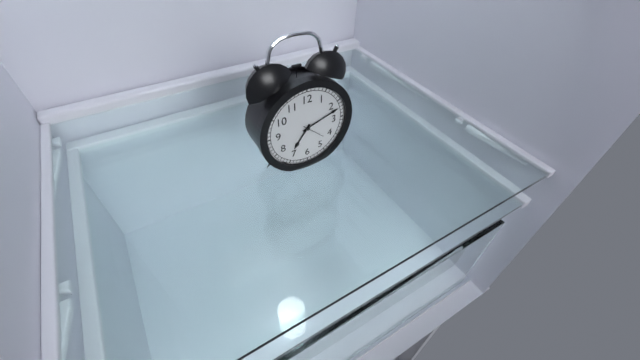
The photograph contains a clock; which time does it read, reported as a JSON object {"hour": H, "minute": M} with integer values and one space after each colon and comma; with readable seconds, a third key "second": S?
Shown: {"hour": 7, "minute": 12}
